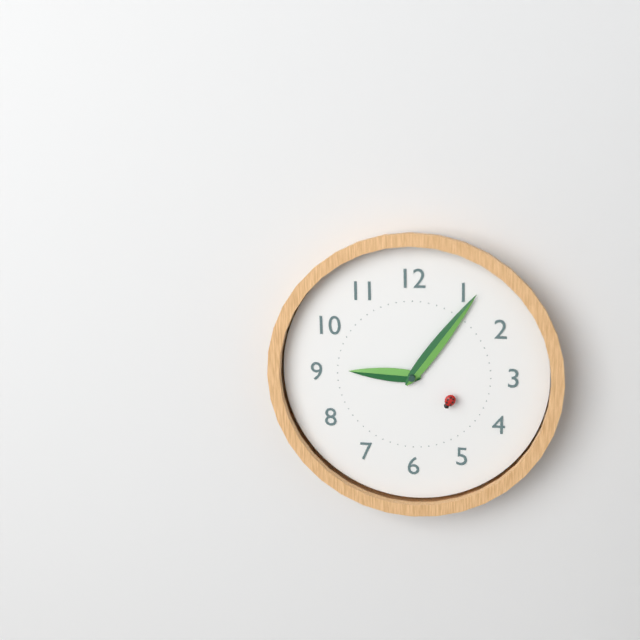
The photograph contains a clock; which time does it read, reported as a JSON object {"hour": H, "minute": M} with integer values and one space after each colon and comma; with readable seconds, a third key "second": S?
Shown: {"hour": 9, "minute": 6, "second": 20}
